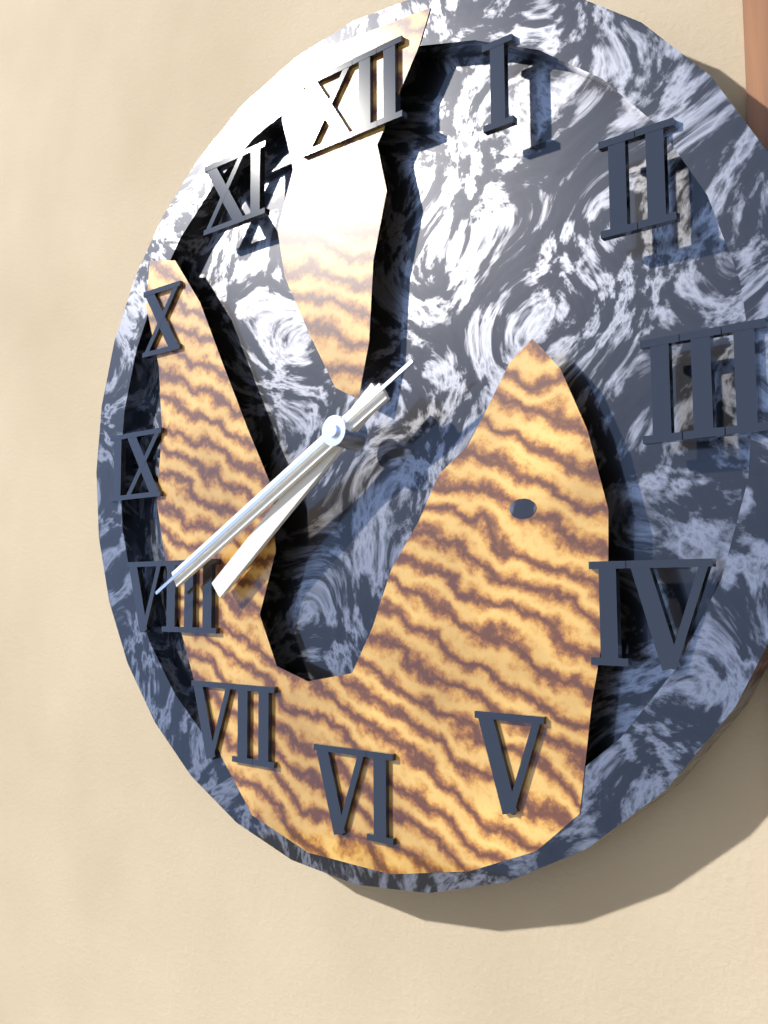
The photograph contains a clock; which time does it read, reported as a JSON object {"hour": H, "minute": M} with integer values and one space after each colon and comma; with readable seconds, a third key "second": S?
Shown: {"hour": 7, "minute": 40, "second": 40}
